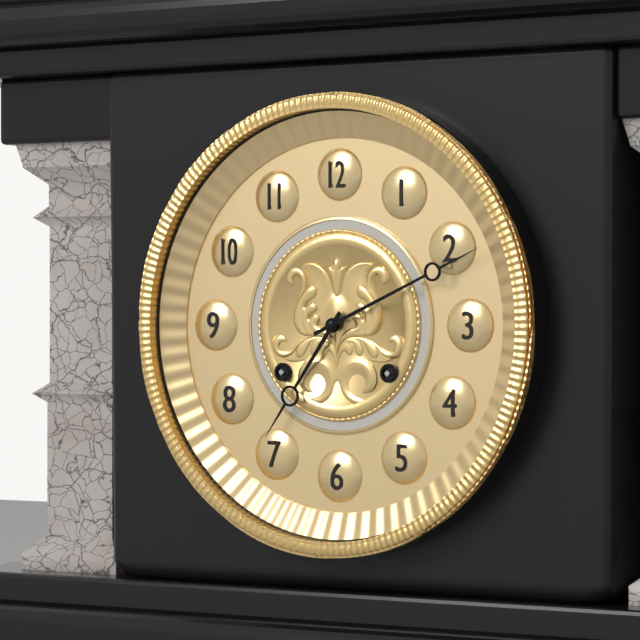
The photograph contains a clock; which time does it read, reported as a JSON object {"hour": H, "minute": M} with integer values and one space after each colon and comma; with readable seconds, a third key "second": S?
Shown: {"hour": 7, "minute": 11}
